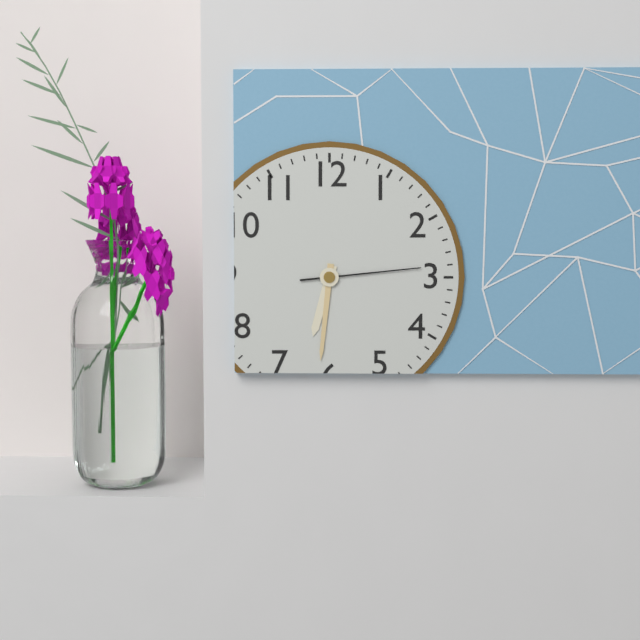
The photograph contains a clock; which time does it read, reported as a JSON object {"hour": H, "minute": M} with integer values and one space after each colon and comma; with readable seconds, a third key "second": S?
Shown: {"hour": 6, "minute": 31, "second": 14}
